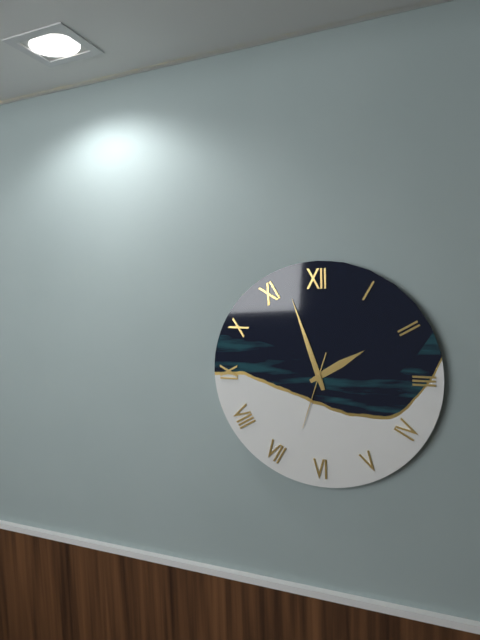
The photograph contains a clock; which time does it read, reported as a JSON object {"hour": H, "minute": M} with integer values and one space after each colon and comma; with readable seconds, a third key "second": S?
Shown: {"hour": 1, "minute": 57, "second": 33}
